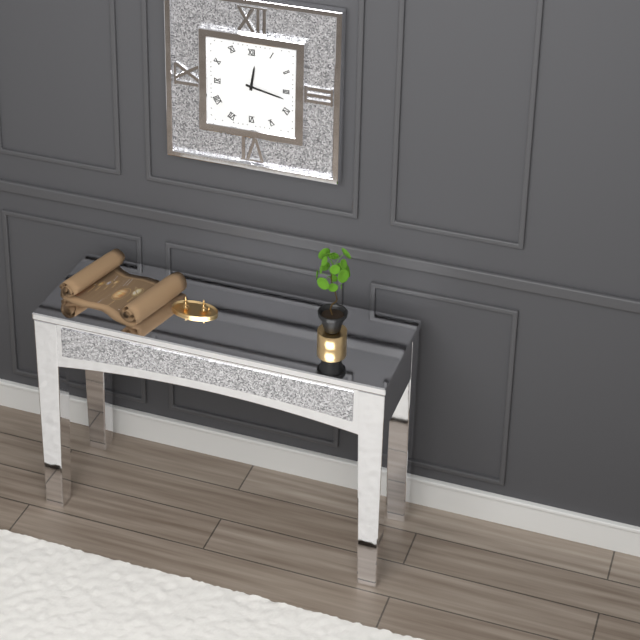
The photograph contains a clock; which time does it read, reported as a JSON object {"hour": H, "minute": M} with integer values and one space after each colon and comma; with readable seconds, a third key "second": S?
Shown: {"hour": 12, "minute": 17}
